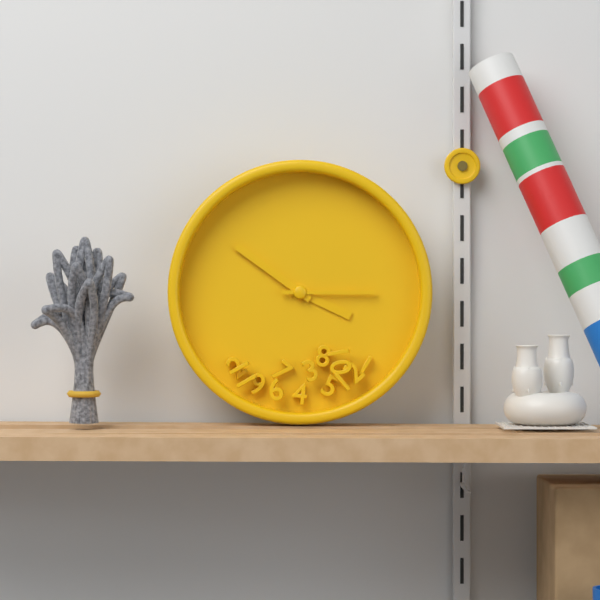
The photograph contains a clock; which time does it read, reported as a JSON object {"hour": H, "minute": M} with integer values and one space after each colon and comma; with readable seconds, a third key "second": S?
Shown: {"hour": 3, "minute": 51, "second": 15}
